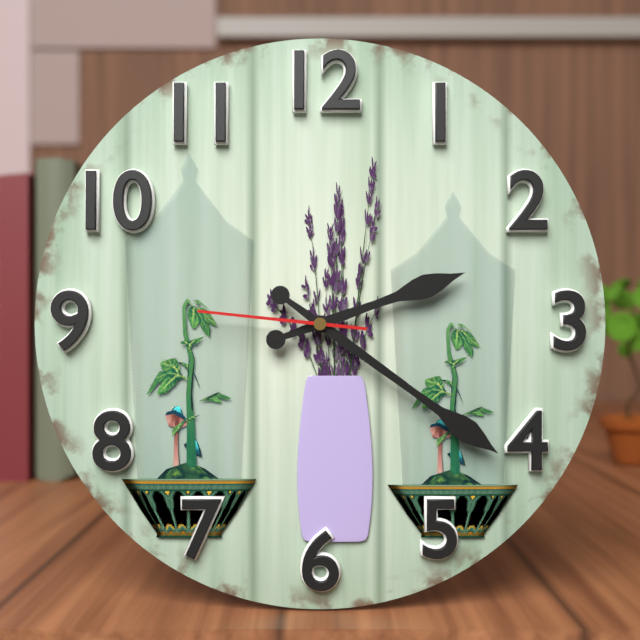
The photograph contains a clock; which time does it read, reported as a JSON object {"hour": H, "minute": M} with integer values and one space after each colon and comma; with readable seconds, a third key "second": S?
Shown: {"hour": 2, "minute": 21, "second": 46}
